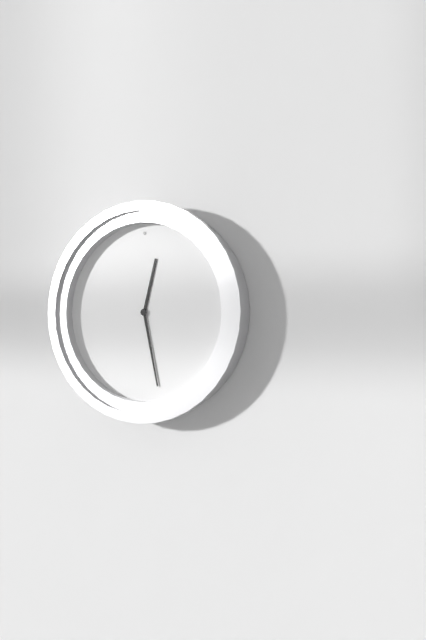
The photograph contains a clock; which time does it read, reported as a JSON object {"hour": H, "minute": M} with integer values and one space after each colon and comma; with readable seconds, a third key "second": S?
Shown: {"hour": 12, "minute": 28}
